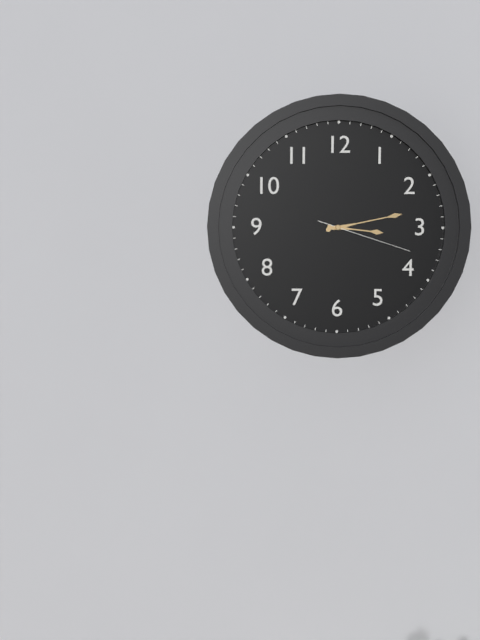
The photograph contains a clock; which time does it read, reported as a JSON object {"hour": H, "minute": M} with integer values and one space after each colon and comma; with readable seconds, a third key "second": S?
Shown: {"hour": 3, "minute": 13, "second": 18}
